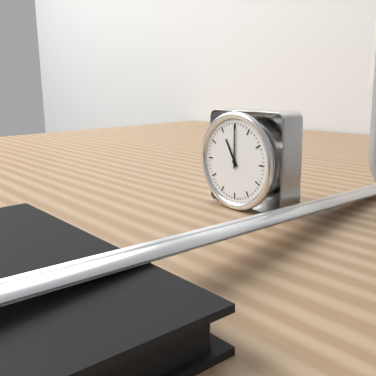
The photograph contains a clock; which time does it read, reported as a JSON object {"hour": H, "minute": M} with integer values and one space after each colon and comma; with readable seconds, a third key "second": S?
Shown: {"hour": 11, "minute": 0}
